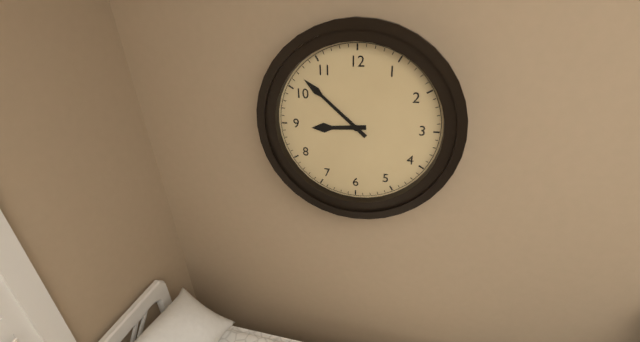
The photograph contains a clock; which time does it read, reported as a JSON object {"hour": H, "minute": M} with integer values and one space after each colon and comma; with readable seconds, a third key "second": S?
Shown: {"hour": 8, "minute": 52}
